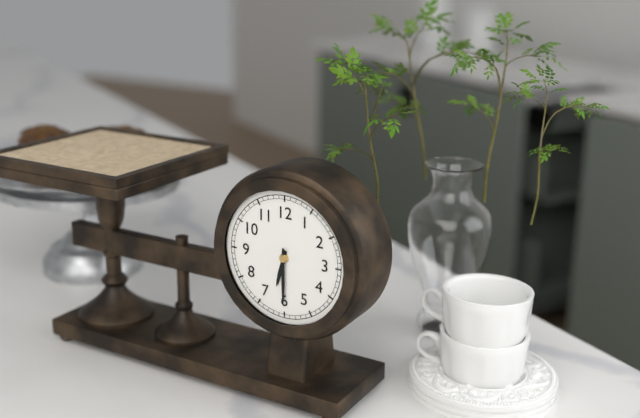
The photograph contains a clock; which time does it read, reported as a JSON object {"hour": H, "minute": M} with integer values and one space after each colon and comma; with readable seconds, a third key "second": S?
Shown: {"hour": 6, "minute": 30}
